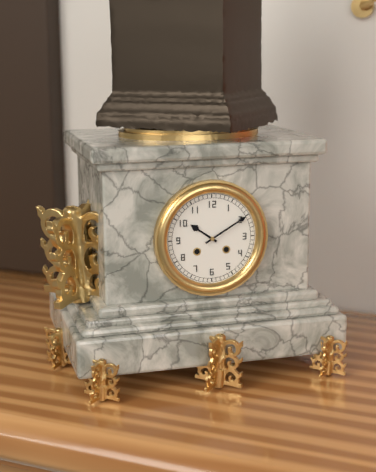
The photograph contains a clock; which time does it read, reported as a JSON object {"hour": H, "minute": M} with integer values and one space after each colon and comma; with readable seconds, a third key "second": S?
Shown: {"hour": 10, "minute": 10}
